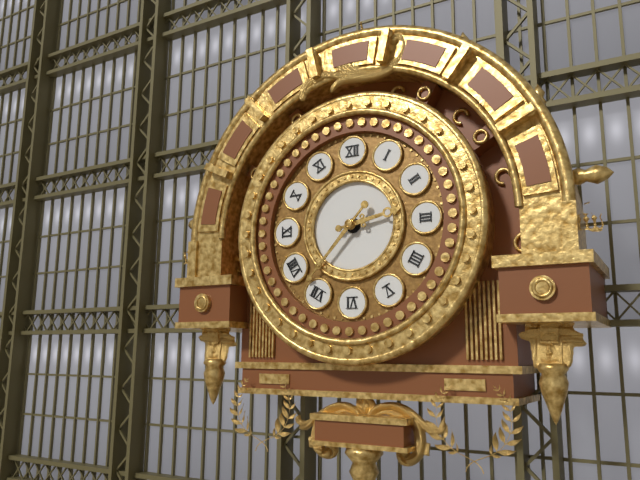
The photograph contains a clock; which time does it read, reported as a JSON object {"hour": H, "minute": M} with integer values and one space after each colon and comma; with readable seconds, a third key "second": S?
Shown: {"hour": 2, "minute": 37}
